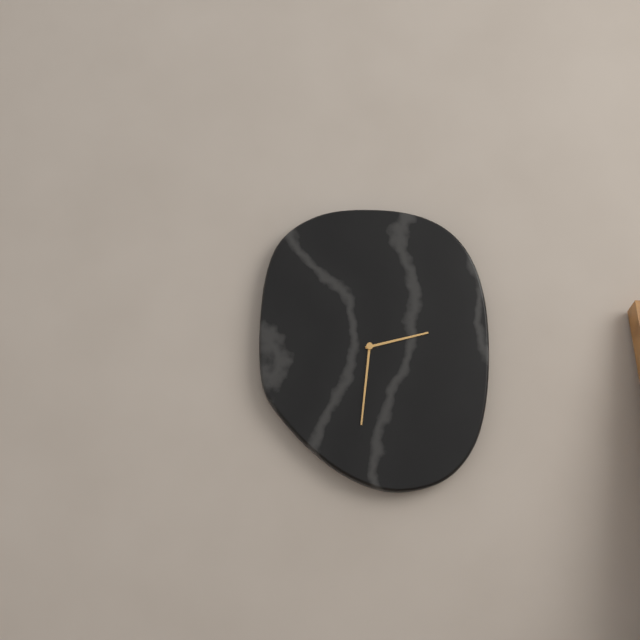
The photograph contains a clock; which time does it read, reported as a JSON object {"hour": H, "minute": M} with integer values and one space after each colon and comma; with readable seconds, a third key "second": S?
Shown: {"hour": 2, "minute": 31}
